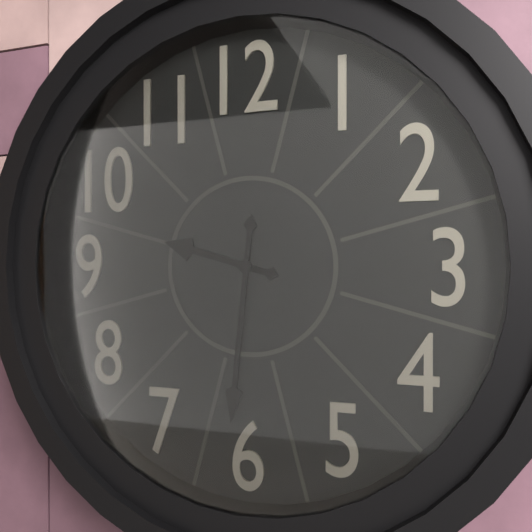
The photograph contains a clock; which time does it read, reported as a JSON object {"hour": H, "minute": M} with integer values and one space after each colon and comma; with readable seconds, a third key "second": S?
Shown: {"hour": 9, "minute": 31}
